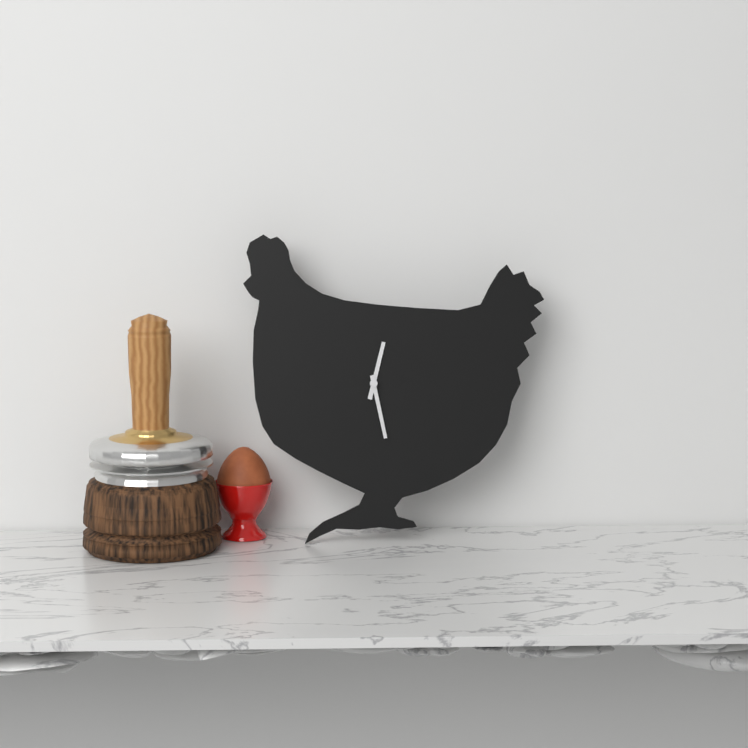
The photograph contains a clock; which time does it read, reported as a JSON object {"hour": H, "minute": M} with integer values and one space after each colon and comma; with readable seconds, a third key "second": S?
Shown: {"hour": 12, "minute": 28}
